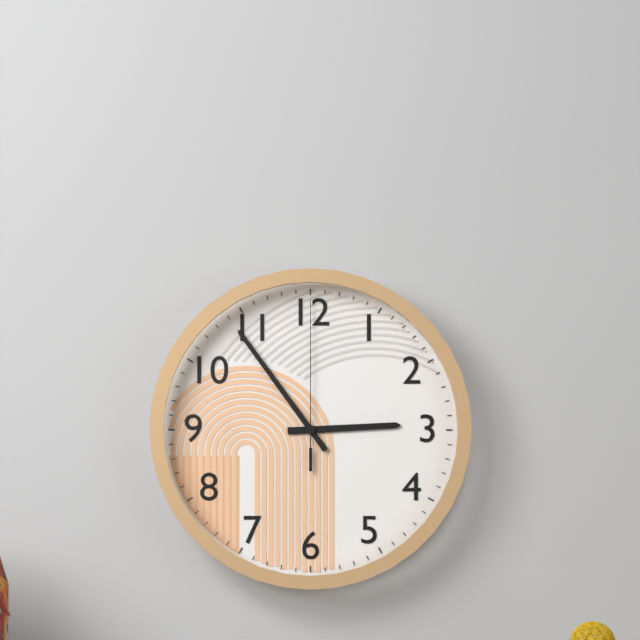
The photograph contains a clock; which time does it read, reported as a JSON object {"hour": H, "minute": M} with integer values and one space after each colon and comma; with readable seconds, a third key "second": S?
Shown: {"hour": 2, "minute": 54, "second": 0}
